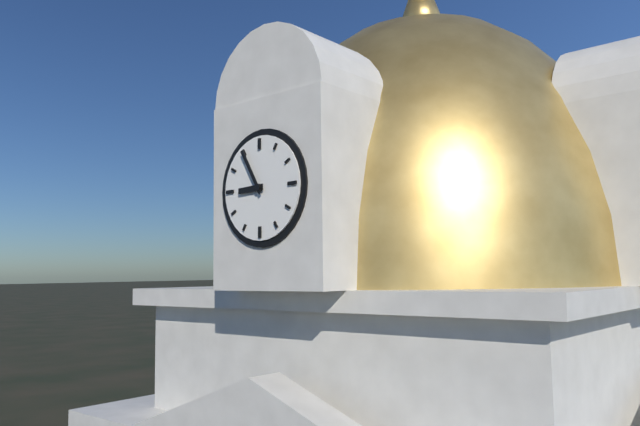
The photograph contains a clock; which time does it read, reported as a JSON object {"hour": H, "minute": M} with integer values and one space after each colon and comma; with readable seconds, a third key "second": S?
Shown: {"hour": 8, "minute": 55}
